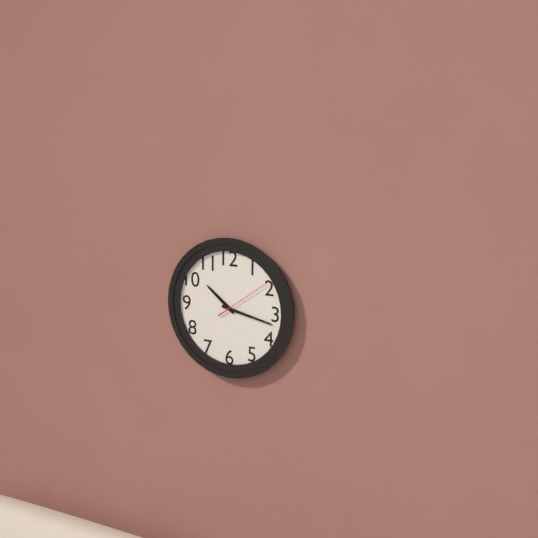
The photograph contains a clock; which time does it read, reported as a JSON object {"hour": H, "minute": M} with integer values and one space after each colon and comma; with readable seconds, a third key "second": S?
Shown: {"hour": 10, "minute": 17, "second": 9}
